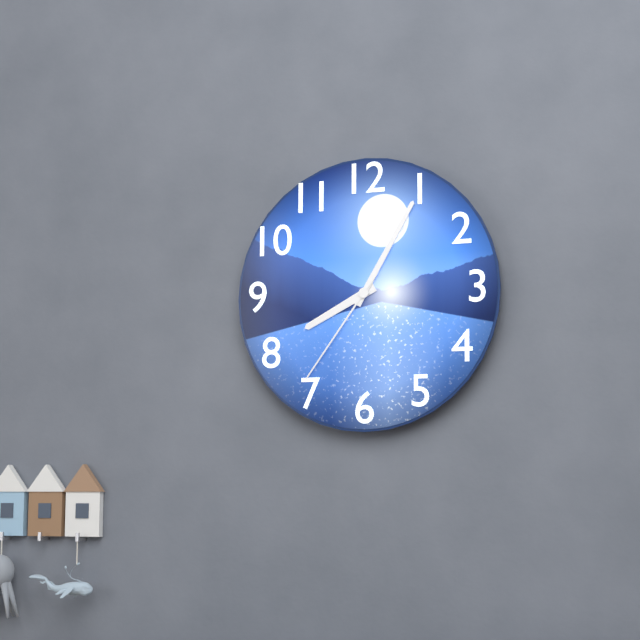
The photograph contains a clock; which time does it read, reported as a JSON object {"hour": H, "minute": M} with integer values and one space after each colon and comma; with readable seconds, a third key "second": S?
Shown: {"hour": 8, "minute": 5, "second": 36}
